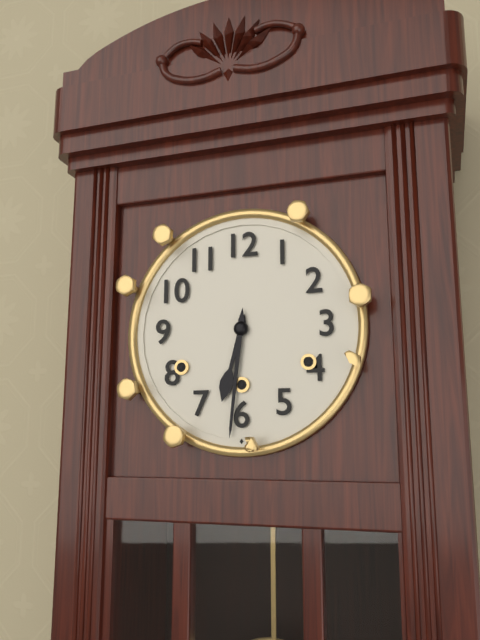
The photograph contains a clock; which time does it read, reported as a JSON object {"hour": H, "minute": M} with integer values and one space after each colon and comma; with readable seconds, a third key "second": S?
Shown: {"hour": 6, "minute": 31}
